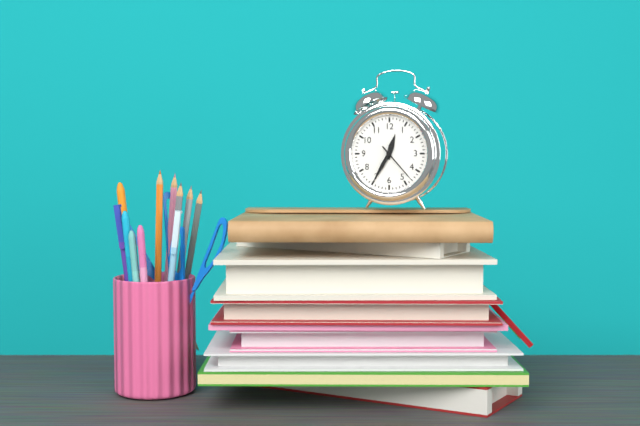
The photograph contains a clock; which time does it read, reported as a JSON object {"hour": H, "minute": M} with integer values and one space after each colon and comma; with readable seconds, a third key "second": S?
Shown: {"hour": 12, "minute": 35}
